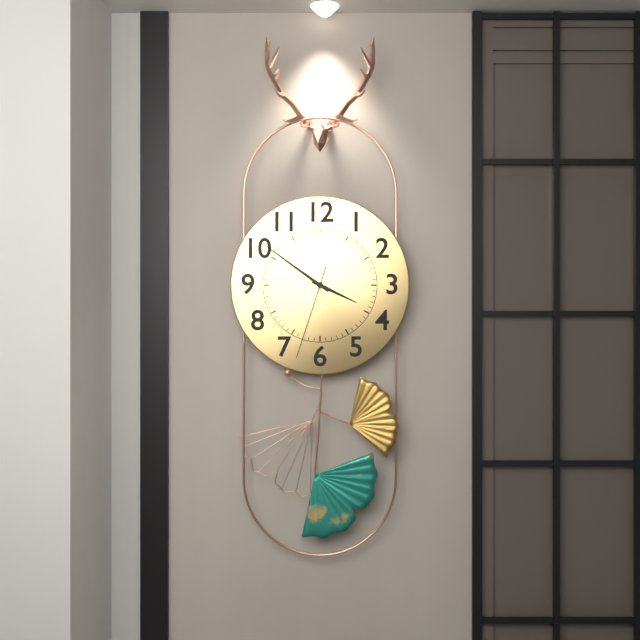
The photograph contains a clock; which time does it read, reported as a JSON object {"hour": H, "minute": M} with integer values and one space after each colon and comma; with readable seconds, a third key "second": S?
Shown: {"hour": 3, "minute": 51, "second": 33}
